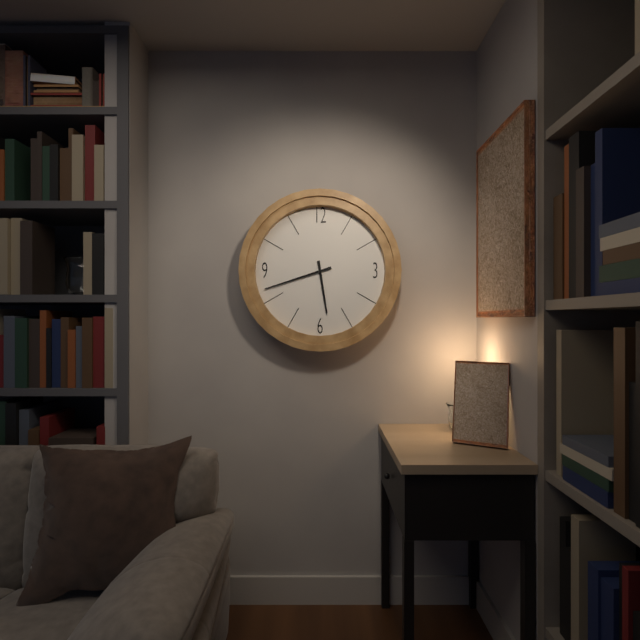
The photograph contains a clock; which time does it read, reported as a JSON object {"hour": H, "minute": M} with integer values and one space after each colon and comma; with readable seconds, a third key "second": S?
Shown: {"hour": 5, "minute": 42}
